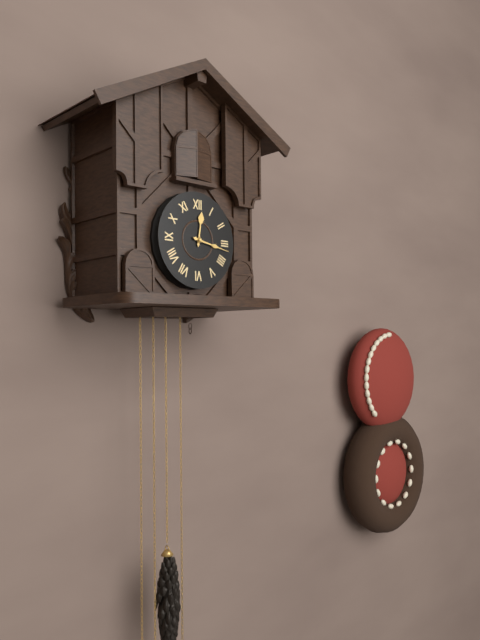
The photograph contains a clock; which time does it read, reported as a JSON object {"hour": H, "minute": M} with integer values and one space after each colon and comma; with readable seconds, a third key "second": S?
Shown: {"hour": 12, "minute": 17}
